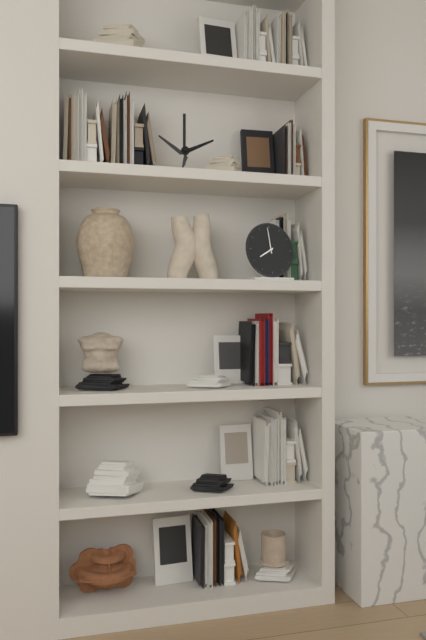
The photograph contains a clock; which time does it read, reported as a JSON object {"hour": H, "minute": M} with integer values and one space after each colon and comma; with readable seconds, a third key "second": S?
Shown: {"hour": 7, "minute": 59}
